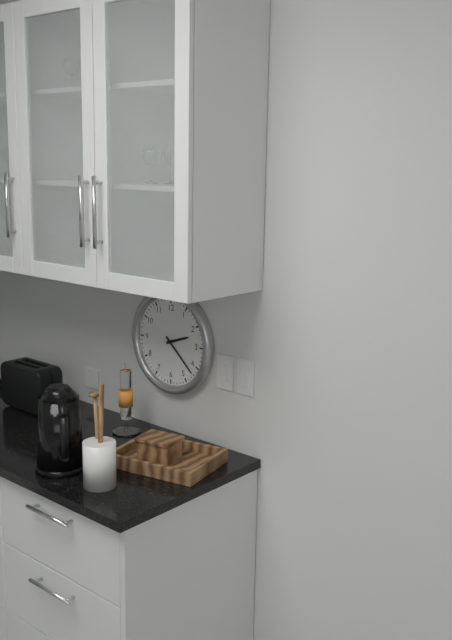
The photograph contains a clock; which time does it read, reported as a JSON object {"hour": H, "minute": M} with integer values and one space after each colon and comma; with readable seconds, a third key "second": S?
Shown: {"hour": 2, "minute": 22}
